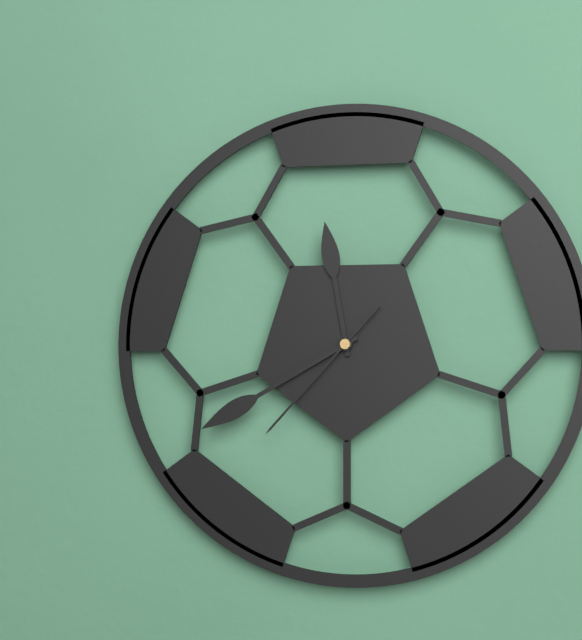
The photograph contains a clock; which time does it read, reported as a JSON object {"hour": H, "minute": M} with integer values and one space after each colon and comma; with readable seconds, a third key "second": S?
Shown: {"hour": 11, "minute": 40, "second": 37}
